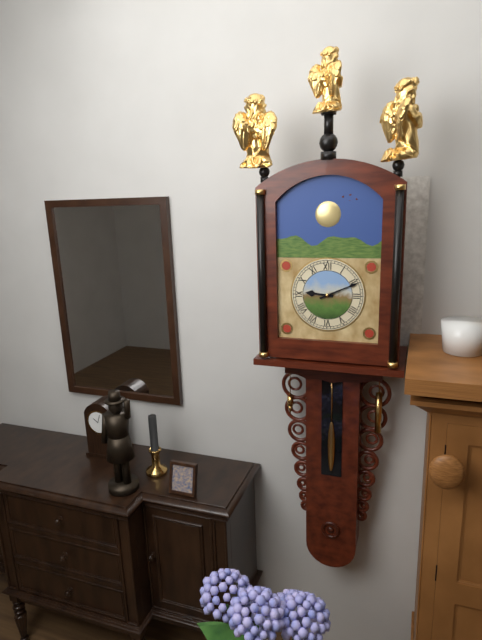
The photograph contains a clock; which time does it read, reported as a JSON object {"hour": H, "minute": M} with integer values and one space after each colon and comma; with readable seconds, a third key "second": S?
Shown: {"hour": 9, "minute": 11}
